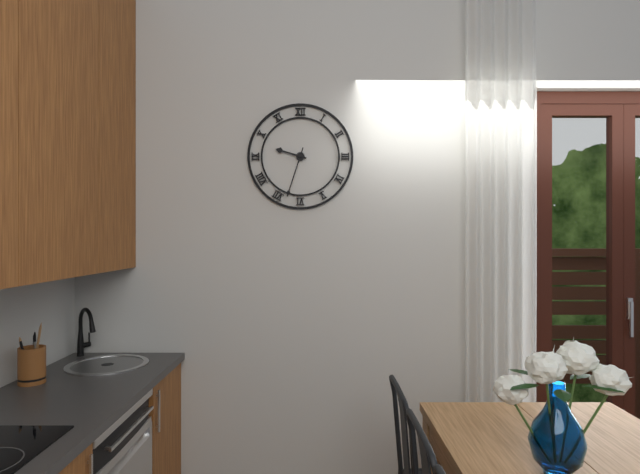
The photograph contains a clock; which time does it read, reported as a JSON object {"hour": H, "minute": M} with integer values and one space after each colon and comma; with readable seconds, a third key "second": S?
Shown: {"hour": 9, "minute": 33}
